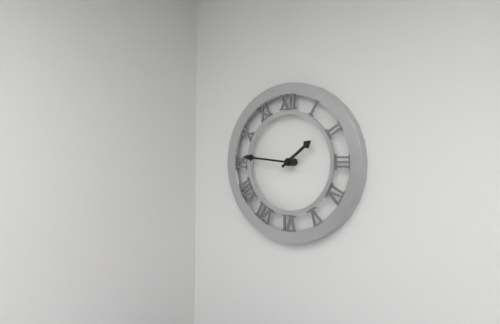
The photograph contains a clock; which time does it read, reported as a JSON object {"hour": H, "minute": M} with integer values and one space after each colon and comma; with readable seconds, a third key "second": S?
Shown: {"hour": 1, "minute": 46}
